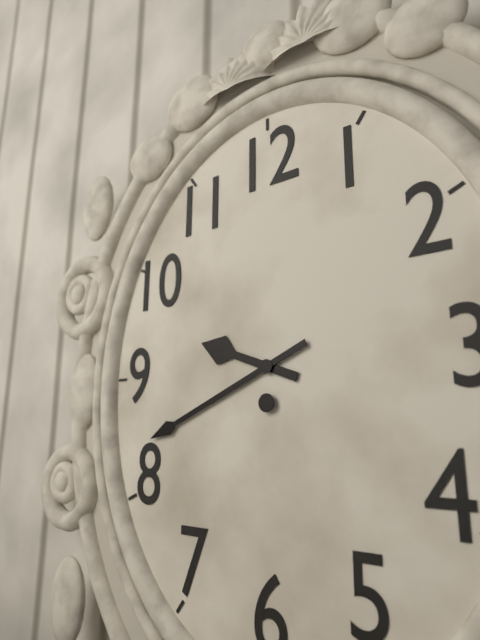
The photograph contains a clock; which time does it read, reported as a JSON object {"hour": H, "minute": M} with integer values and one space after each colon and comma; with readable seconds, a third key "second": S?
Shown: {"hour": 9, "minute": 41}
